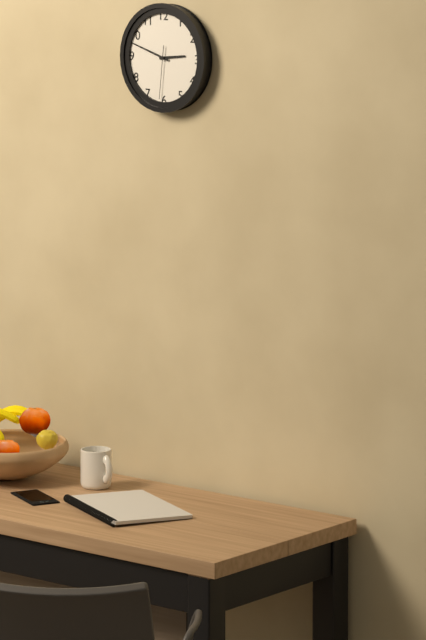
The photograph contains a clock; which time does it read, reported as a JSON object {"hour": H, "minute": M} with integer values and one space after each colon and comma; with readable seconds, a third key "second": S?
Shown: {"hour": 2, "minute": 48, "second": 31}
